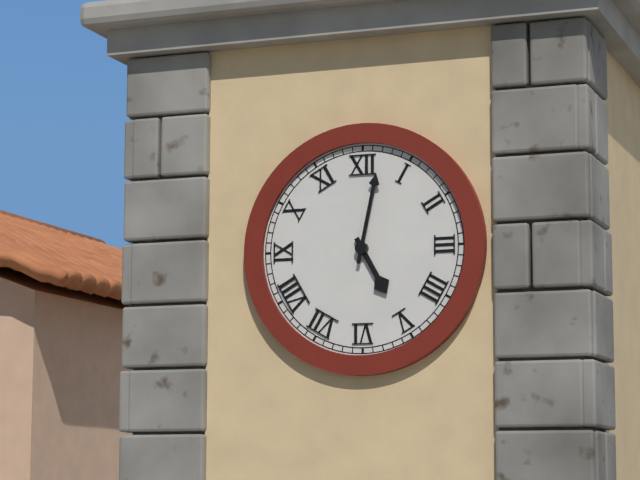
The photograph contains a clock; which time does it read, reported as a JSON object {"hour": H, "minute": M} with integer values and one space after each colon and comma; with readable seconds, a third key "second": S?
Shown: {"hour": 5, "minute": 2}
